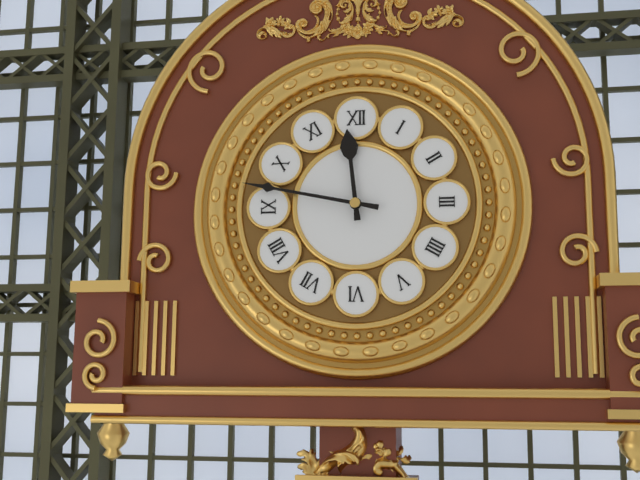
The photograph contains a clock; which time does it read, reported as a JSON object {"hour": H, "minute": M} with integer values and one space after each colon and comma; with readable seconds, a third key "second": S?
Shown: {"hour": 11, "minute": 47}
